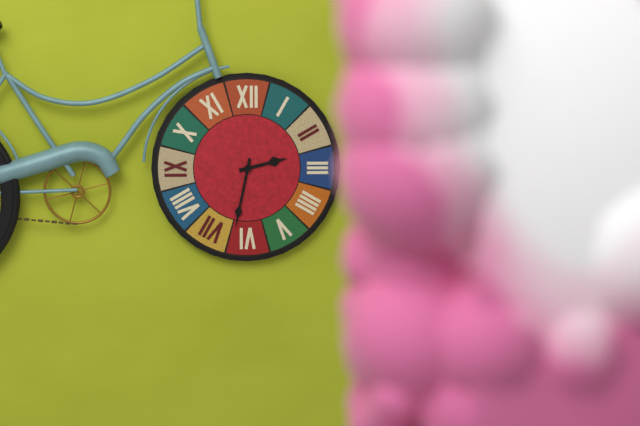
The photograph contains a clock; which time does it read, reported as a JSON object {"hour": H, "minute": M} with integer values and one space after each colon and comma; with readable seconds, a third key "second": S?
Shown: {"hour": 2, "minute": 32}
